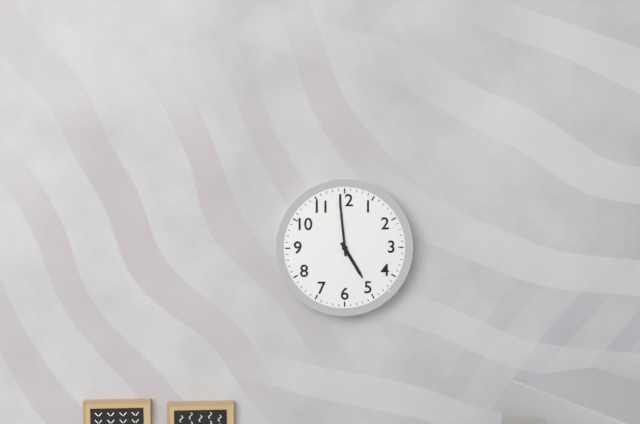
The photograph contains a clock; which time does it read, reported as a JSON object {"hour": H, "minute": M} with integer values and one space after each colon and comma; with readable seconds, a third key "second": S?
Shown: {"hour": 4, "minute": 59}
